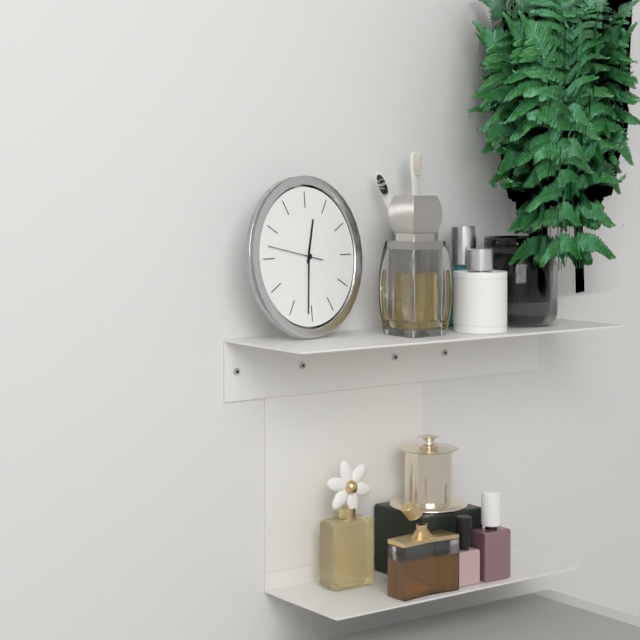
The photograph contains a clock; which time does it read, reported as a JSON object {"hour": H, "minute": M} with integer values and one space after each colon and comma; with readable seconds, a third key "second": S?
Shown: {"hour": 12, "minute": 31, "second": 47}
